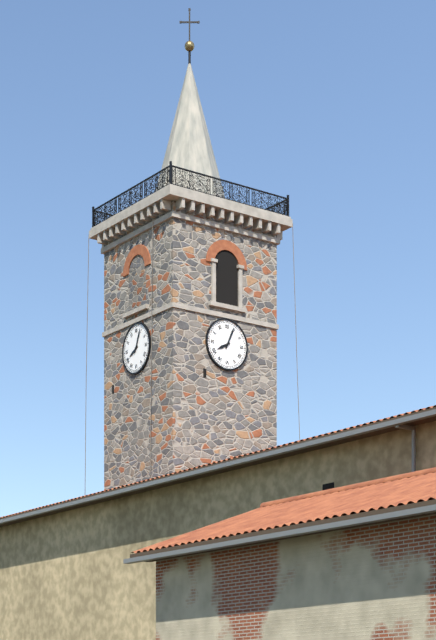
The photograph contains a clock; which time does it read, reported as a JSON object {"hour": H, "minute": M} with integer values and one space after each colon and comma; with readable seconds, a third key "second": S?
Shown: {"hour": 8, "minute": 4}
